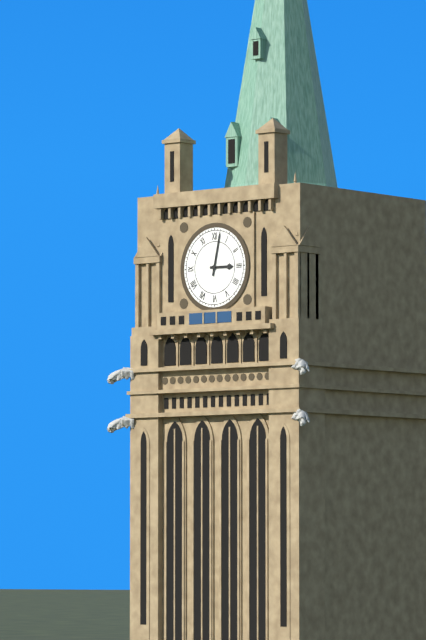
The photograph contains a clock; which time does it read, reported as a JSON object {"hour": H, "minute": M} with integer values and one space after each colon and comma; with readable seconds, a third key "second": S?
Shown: {"hour": 3, "minute": 2}
